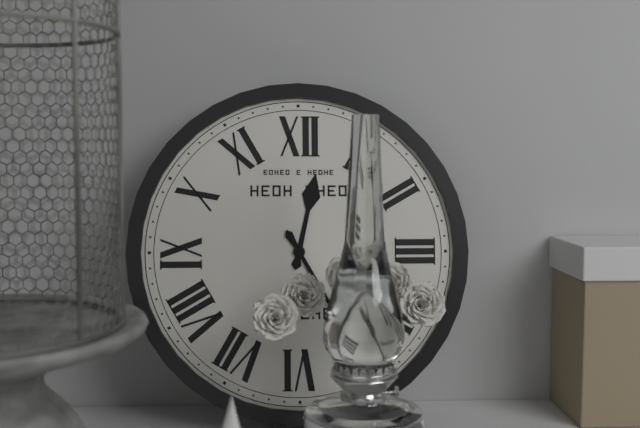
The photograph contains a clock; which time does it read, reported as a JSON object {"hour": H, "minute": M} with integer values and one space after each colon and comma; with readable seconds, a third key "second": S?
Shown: {"hour": 12, "minute": 25}
